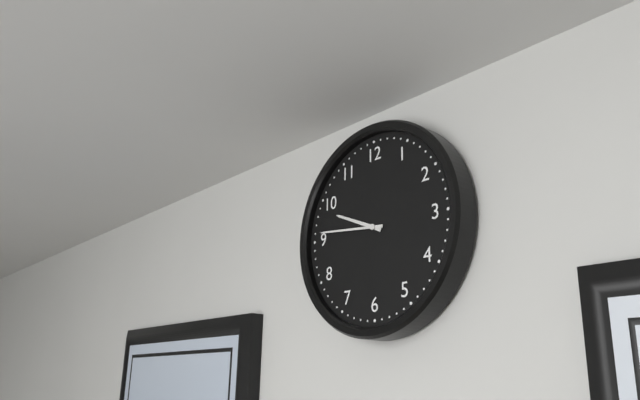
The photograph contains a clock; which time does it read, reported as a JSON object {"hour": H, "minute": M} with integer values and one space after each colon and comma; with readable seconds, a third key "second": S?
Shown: {"hour": 9, "minute": 46}
